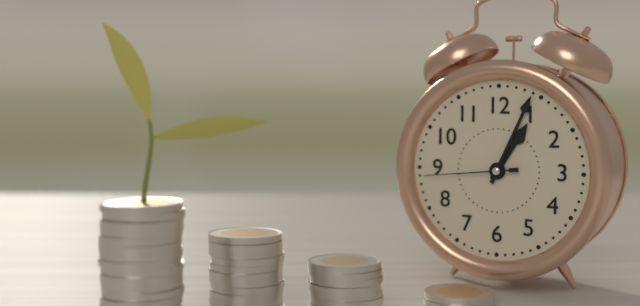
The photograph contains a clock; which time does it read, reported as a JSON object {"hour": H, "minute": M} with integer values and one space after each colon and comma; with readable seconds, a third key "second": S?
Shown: {"hour": 1, "minute": 4, "second": 44}
